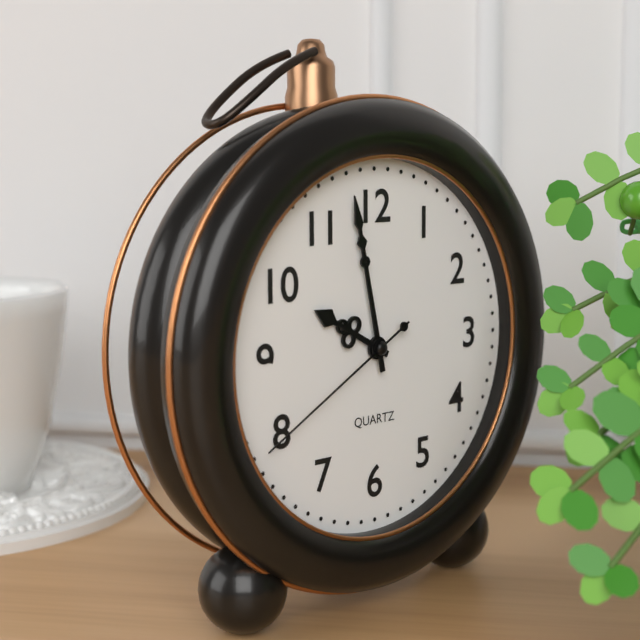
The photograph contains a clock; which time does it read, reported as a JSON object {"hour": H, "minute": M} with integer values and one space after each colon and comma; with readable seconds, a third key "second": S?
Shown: {"hour": 9, "minute": 58, "second": 40}
